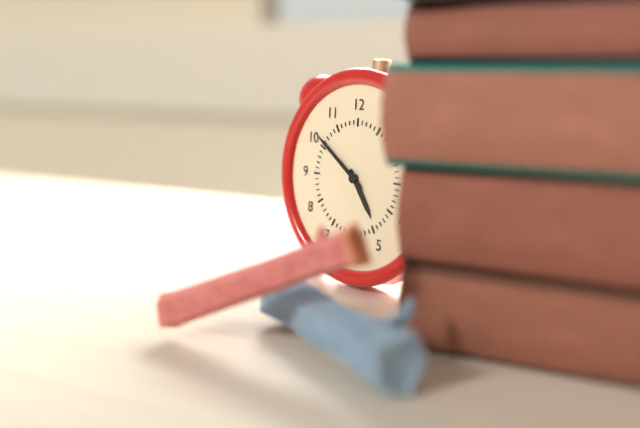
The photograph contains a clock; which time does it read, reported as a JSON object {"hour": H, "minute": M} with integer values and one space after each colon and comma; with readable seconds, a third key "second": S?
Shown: {"hour": 4, "minute": 51}
